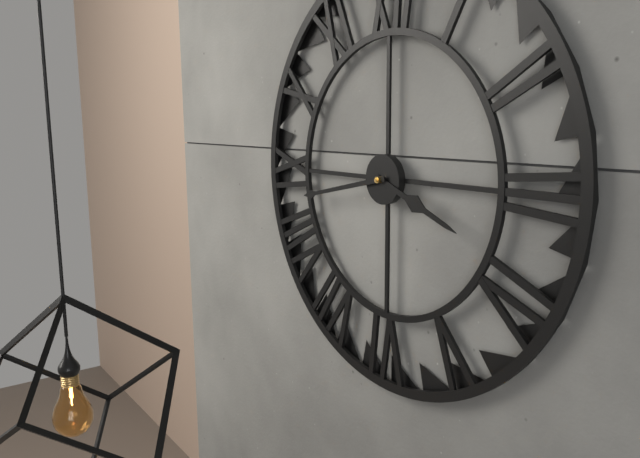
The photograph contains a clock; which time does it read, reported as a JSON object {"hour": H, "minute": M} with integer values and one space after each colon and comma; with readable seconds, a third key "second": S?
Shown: {"hour": 3, "minute": 43}
